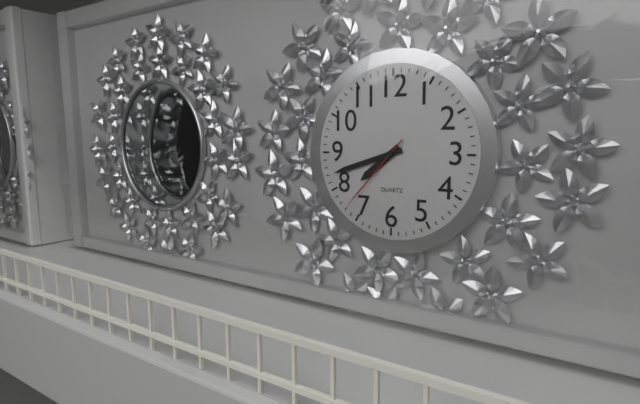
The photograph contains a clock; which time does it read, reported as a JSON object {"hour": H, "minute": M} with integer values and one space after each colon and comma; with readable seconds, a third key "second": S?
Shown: {"hour": 7, "minute": 42, "second": 37}
